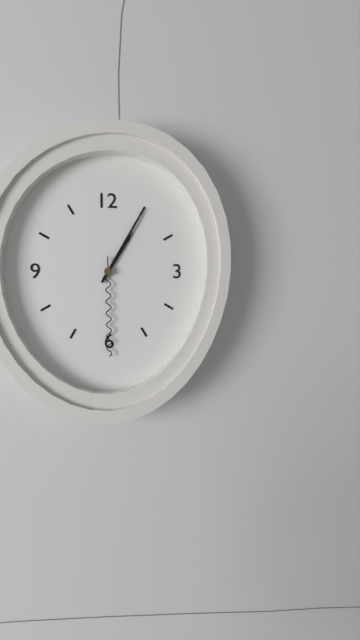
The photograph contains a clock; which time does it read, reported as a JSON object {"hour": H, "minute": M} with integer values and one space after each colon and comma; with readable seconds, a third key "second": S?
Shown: {"hour": 1, "minute": 5, "second": 30}
